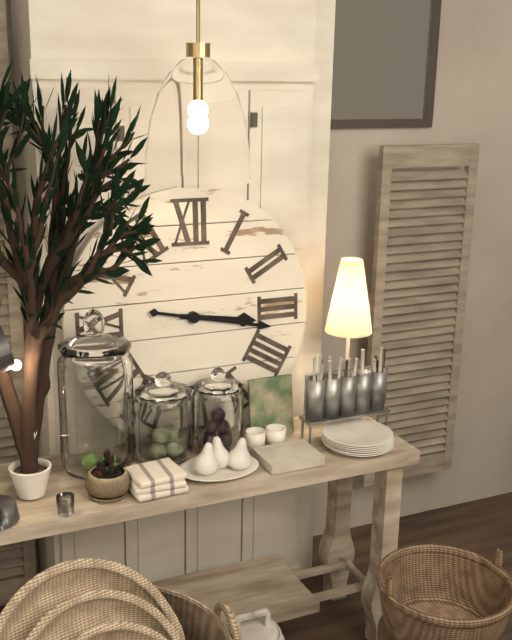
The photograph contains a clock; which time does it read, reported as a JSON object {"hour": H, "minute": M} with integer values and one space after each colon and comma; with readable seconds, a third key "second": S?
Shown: {"hour": 3, "minute": 17}
